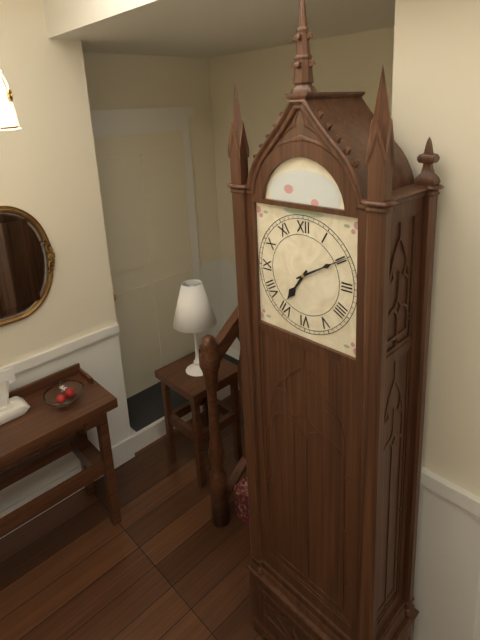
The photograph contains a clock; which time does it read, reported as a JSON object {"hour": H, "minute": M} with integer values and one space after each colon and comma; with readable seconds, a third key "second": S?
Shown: {"hour": 7, "minute": 10}
